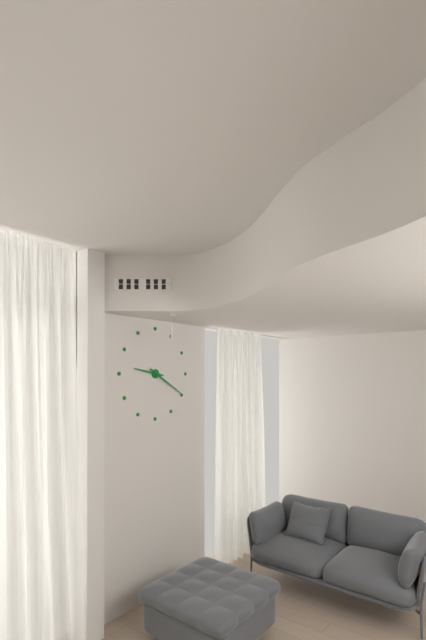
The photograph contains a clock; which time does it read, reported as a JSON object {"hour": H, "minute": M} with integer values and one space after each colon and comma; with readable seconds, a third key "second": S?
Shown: {"hour": 9, "minute": 20}
